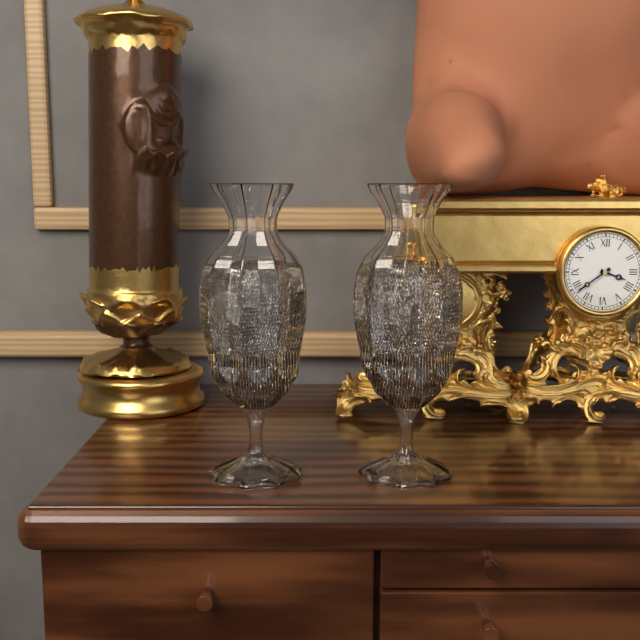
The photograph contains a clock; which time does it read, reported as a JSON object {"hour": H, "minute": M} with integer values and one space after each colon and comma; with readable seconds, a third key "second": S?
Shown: {"hour": 3, "minute": 39}
